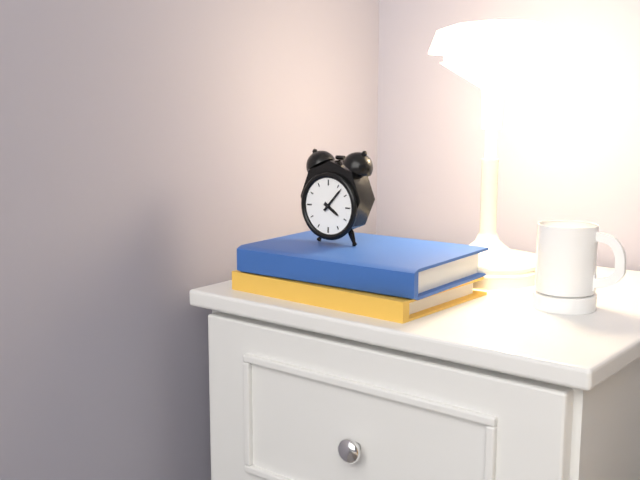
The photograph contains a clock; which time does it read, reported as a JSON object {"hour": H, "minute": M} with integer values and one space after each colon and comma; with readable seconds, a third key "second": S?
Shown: {"hour": 4, "minute": 7}
